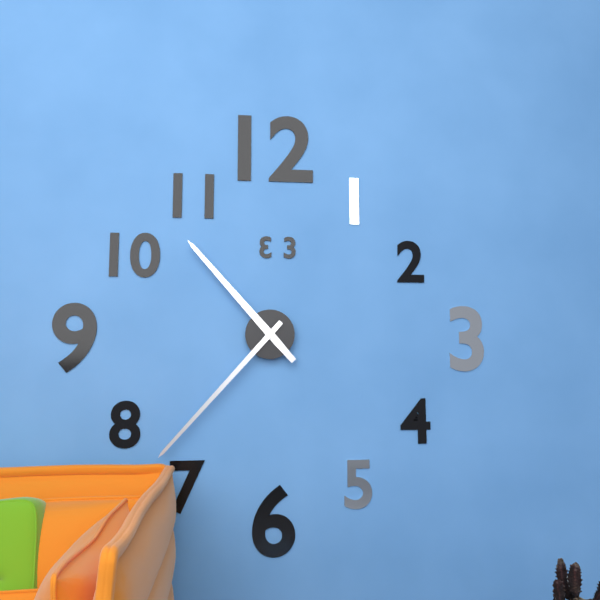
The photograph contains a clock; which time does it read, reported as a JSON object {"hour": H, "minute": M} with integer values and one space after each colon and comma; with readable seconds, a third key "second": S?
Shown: {"hour": 10, "minute": 37}
